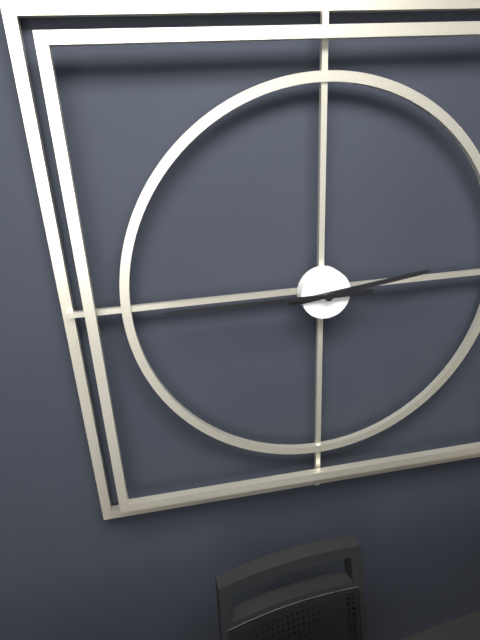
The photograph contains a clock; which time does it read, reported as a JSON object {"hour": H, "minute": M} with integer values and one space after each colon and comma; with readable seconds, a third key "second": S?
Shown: {"hour": 2, "minute": 45}
